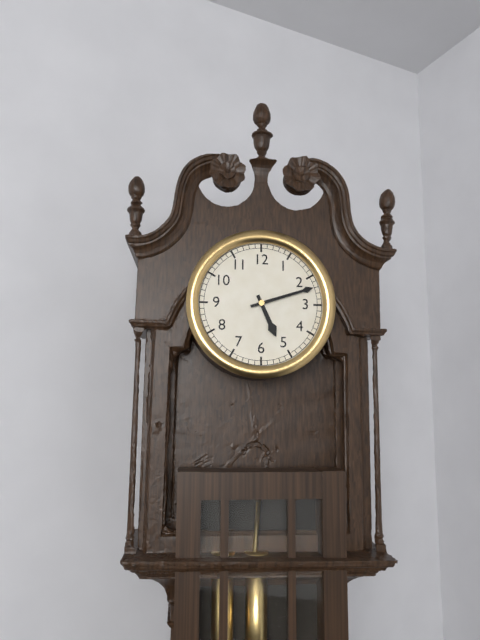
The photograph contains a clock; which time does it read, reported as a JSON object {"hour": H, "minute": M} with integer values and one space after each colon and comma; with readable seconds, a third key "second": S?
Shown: {"hour": 5, "minute": 12}
